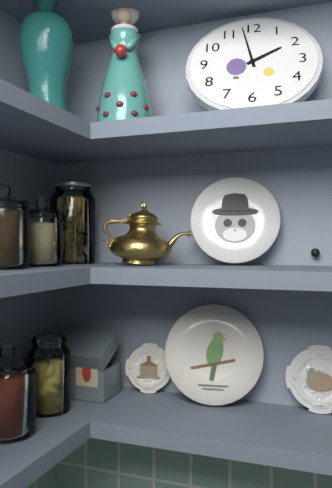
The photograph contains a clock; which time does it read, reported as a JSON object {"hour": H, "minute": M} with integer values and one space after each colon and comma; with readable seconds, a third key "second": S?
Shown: {"hour": 1, "minute": 58}
